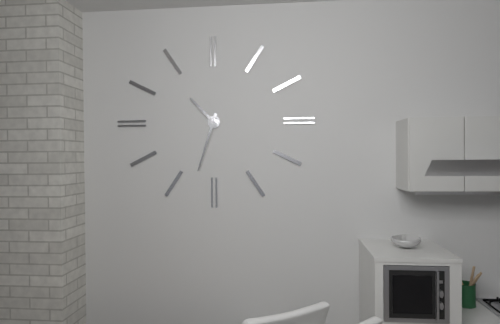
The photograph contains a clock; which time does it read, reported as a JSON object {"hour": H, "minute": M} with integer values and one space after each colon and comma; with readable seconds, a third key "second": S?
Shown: {"hour": 10, "minute": 33}
